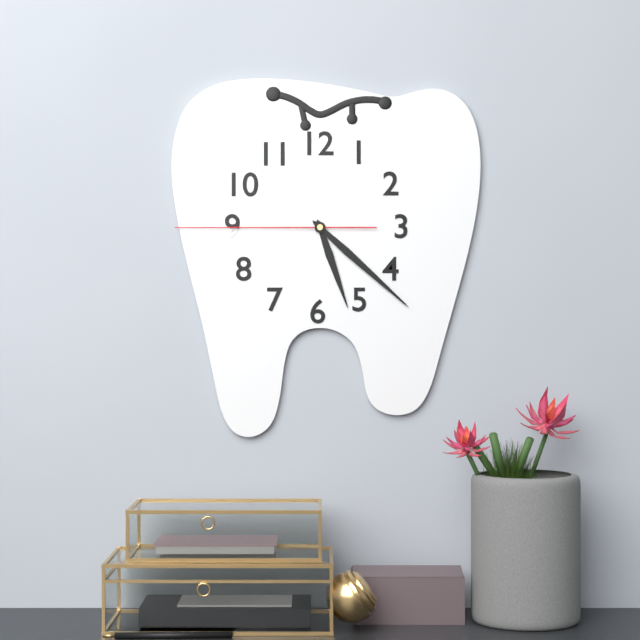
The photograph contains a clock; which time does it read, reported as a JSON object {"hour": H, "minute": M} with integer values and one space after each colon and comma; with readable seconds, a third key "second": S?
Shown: {"hour": 5, "minute": 22, "second": 45}
